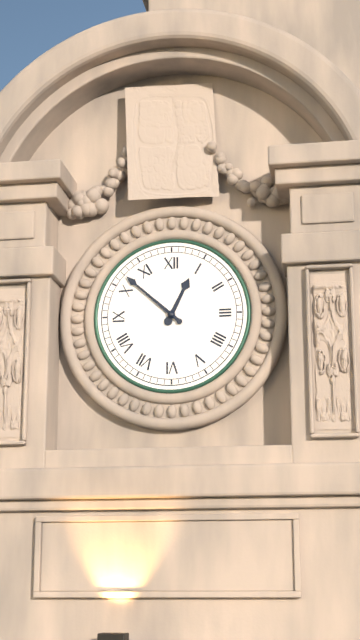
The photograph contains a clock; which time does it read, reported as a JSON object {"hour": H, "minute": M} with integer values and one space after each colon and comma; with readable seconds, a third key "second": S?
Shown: {"hour": 12, "minute": 52}
